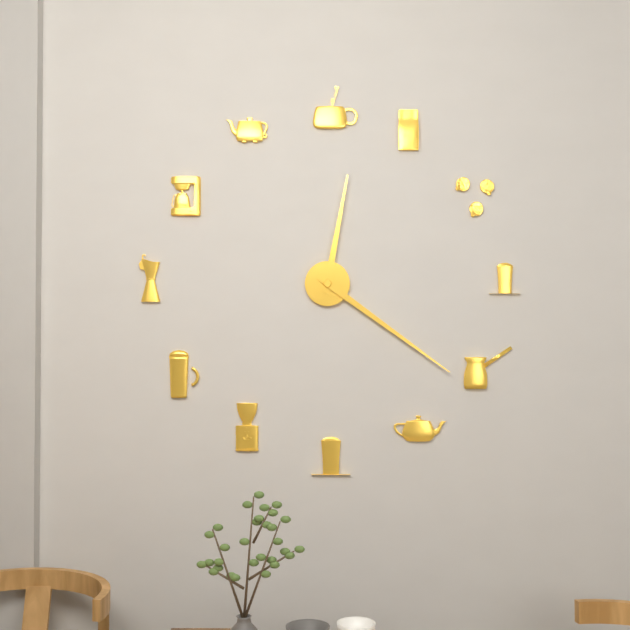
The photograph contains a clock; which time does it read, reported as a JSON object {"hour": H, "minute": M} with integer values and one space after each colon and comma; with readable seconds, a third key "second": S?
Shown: {"hour": 12, "minute": 21}
